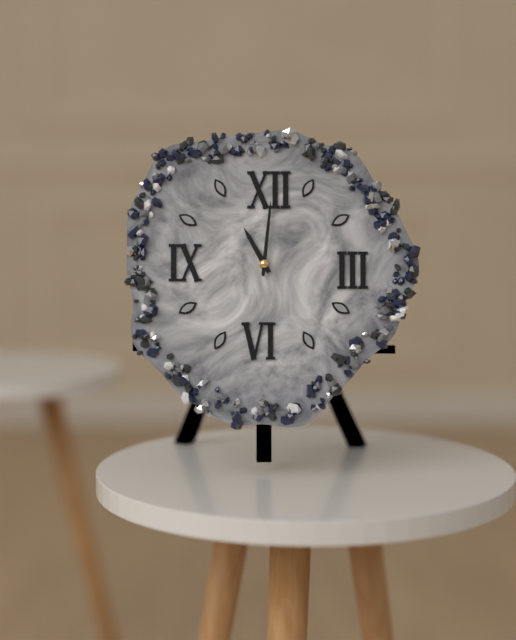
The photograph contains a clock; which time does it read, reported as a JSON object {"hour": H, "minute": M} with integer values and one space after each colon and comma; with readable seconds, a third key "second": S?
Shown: {"hour": 11, "minute": 1}
